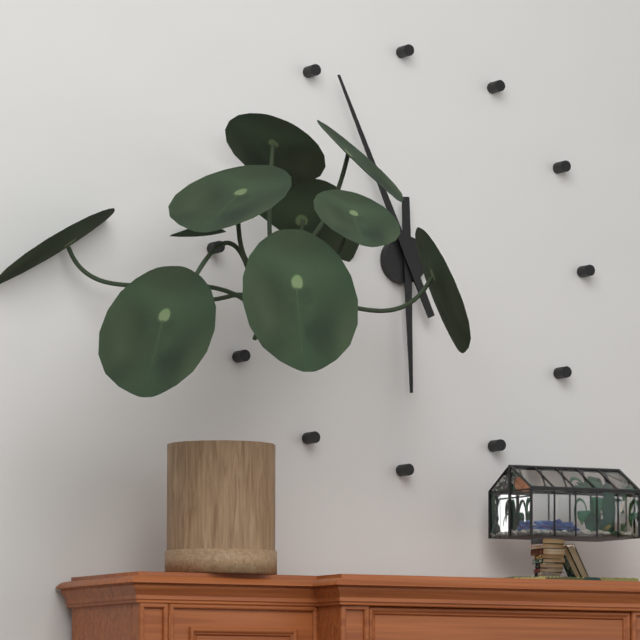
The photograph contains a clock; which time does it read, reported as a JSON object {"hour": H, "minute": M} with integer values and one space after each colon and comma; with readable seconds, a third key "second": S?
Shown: {"hour": 5, "minute": 56}
